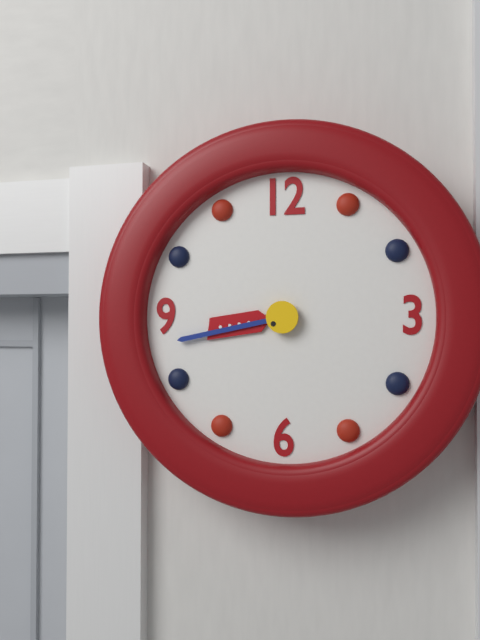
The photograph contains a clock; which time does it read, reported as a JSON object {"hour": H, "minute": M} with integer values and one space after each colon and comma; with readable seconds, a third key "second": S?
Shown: {"hour": 8, "minute": 43}
